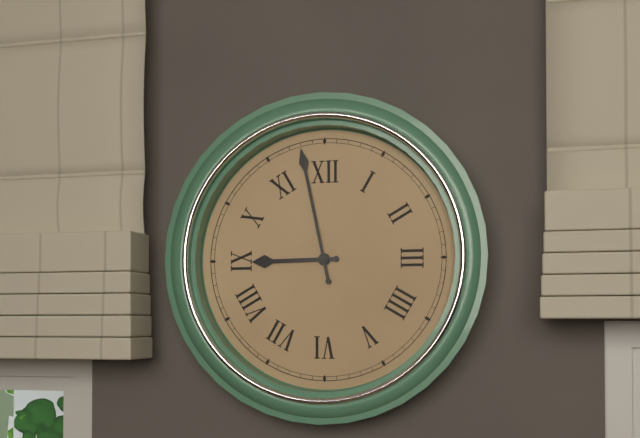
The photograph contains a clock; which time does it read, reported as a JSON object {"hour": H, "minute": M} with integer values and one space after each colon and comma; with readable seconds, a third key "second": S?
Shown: {"hour": 8, "minute": 58}
